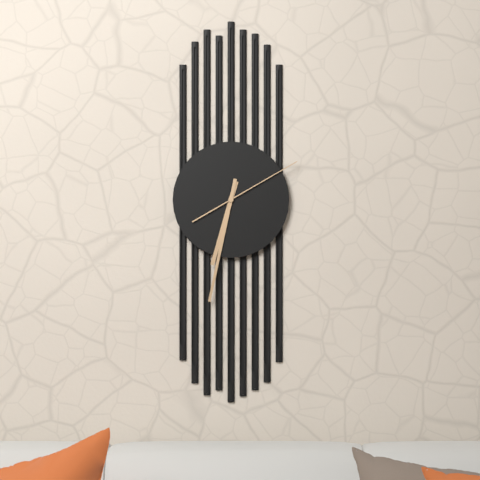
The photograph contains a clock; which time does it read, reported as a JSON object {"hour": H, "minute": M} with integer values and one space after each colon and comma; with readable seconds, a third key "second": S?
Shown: {"hour": 6, "minute": 32, "second": 10}
